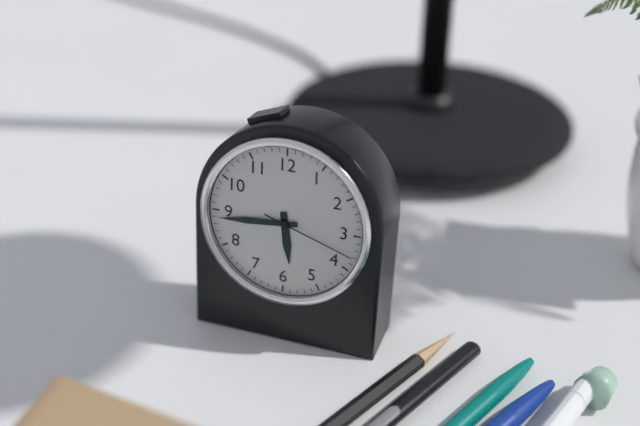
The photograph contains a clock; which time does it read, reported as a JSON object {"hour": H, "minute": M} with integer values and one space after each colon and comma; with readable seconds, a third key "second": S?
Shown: {"hour": 5, "minute": 44, "second": 18}
